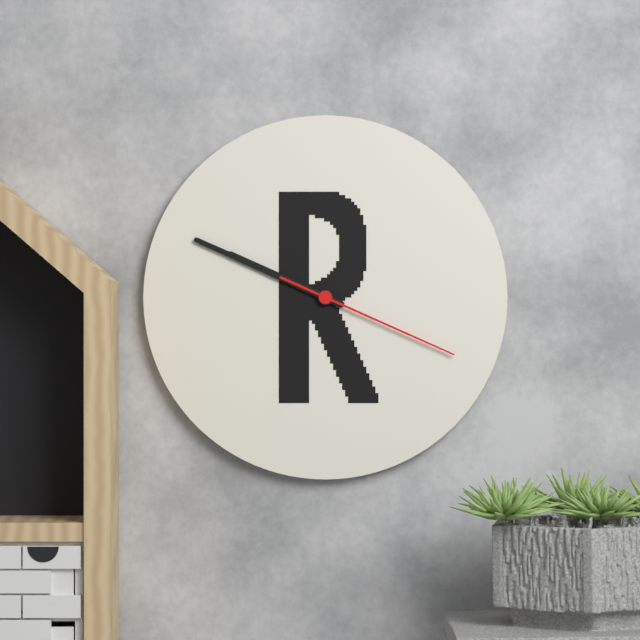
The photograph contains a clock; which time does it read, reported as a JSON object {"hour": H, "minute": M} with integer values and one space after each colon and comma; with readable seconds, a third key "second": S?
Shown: {"hour": 9, "minute": 49, "second": 19}
